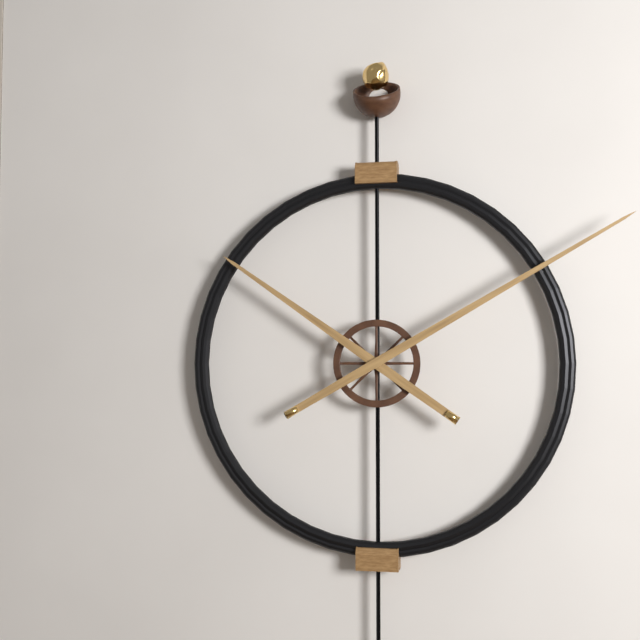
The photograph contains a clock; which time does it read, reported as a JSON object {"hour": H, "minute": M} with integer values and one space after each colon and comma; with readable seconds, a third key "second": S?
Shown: {"hour": 10, "minute": 10}
